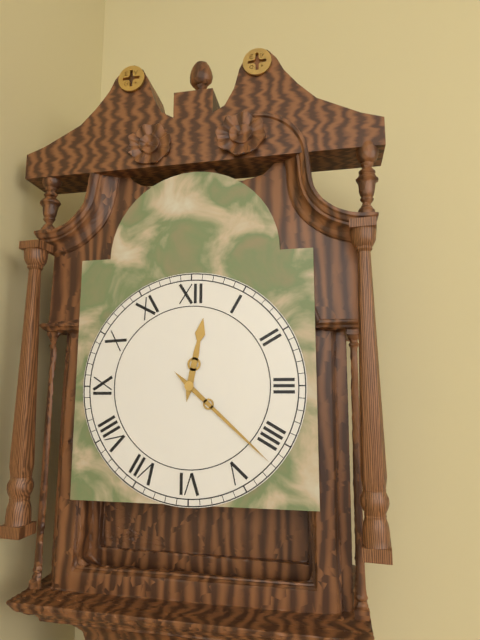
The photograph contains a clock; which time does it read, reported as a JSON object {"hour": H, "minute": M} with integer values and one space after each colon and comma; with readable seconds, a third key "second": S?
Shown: {"hour": 12, "minute": 22}
